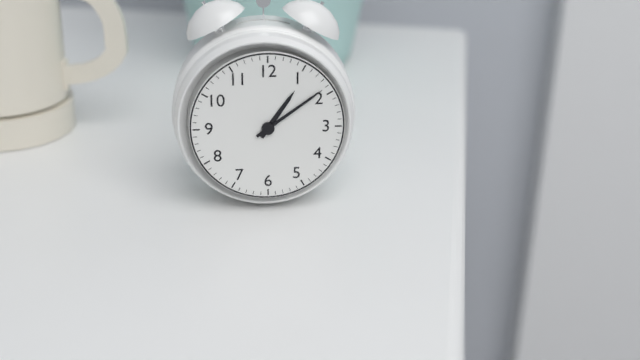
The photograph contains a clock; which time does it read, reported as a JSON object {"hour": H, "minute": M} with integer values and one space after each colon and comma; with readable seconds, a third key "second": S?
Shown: {"hour": 1, "minute": 9}
